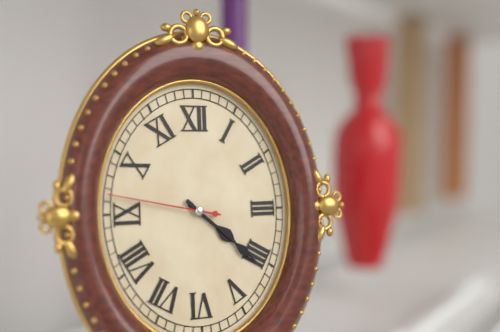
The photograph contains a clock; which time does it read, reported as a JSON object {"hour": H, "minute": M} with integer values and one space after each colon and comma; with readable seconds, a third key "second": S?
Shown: {"hour": 4, "minute": 22, "second": 47}
